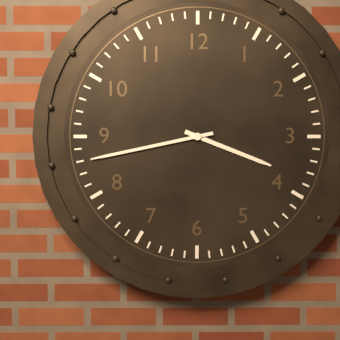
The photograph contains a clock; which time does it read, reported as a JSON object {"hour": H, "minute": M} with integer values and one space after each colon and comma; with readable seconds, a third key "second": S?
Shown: {"hour": 3, "minute": 43}
